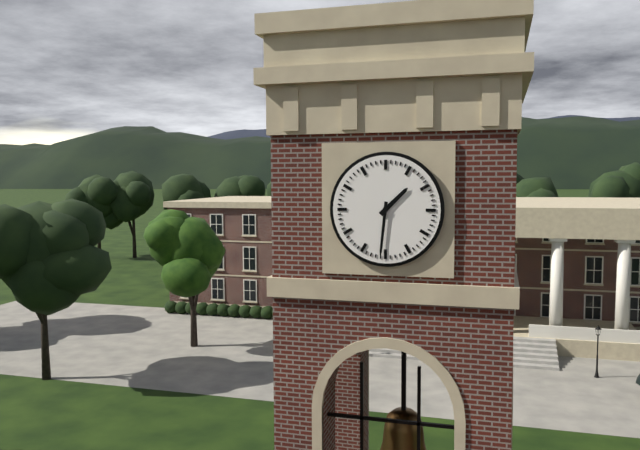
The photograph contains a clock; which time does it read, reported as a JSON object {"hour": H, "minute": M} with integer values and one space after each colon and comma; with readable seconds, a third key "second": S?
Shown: {"hour": 1, "minute": 31}
